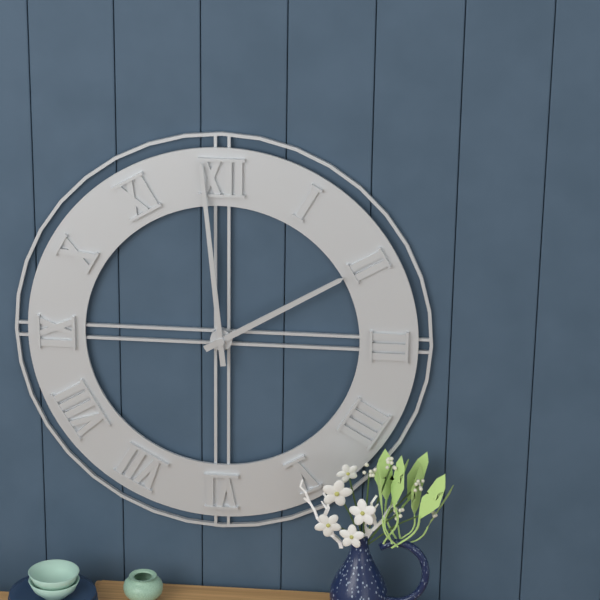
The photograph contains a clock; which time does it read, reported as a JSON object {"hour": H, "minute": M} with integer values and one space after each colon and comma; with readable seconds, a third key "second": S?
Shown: {"hour": 1, "minute": 59}
